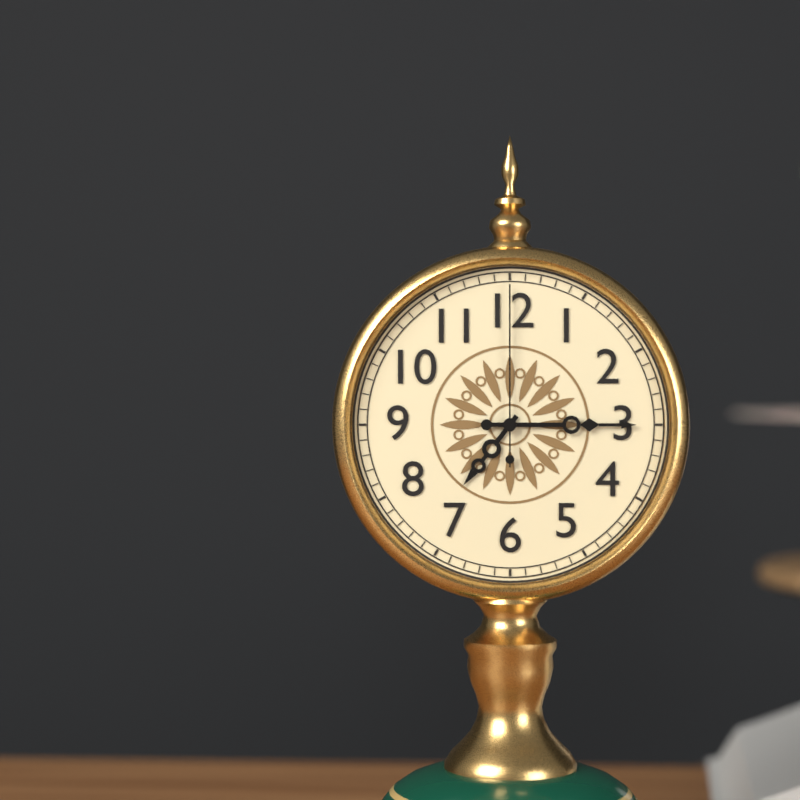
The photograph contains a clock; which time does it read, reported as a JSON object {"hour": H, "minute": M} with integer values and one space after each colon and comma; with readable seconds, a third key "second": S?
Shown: {"hour": 7, "minute": 15, "second": 0}
